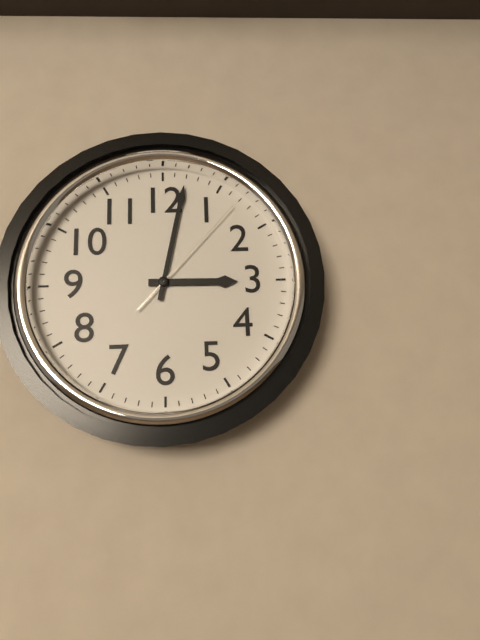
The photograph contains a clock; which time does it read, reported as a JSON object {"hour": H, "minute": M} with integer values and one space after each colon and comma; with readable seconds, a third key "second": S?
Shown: {"hour": 3, "minute": 2, "second": 7}
